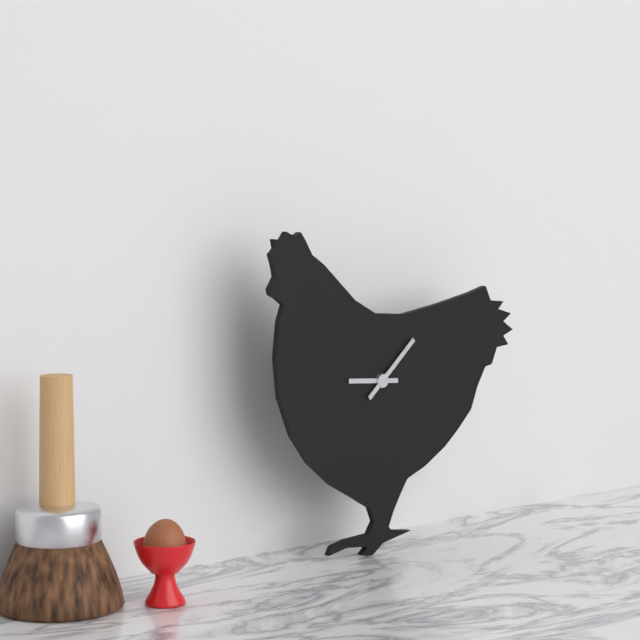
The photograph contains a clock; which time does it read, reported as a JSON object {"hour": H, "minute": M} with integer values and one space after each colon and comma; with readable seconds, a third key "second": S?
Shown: {"hour": 9, "minute": 8}
